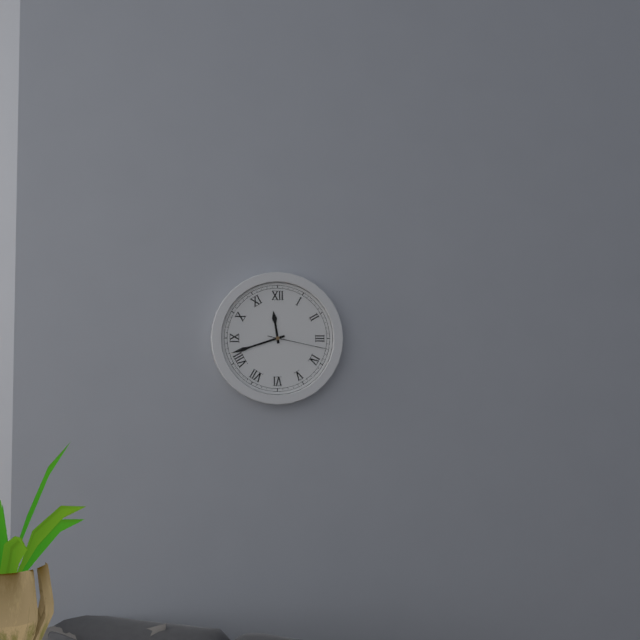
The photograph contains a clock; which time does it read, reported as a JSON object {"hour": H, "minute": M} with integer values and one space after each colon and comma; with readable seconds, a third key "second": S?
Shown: {"hour": 11, "minute": 42, "second": 17}
